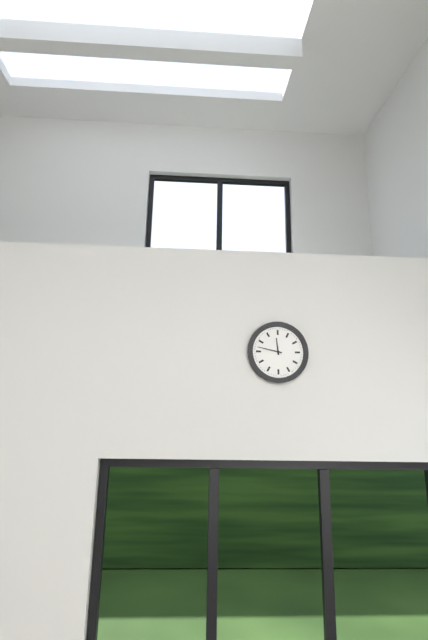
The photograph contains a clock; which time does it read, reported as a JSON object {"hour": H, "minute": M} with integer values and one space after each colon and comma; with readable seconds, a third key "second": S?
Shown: {"hour": 11, "minute": 47}
